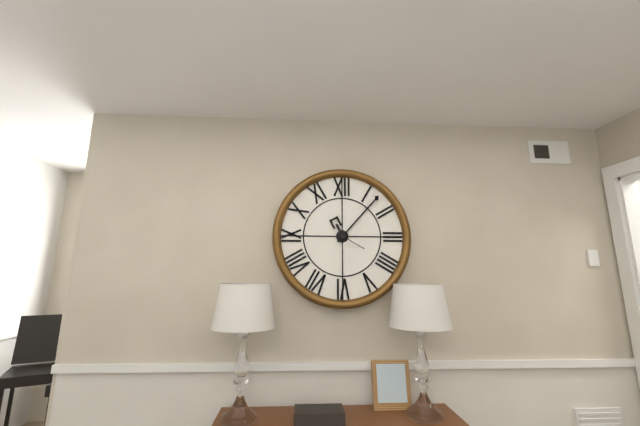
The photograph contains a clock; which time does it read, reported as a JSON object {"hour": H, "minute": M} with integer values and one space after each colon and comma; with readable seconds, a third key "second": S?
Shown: {"hour": 11, "minute": 7}
